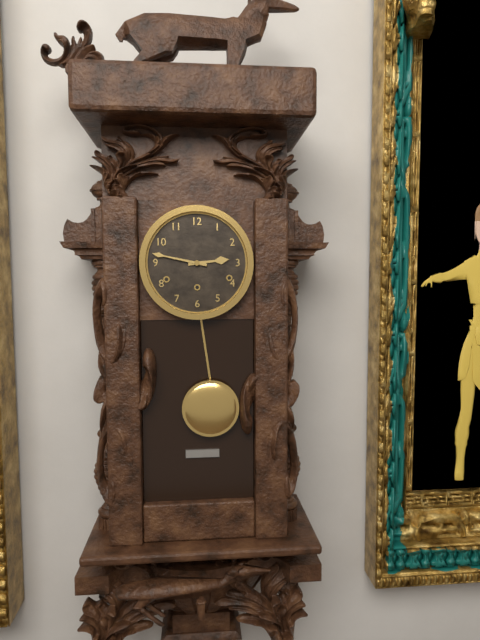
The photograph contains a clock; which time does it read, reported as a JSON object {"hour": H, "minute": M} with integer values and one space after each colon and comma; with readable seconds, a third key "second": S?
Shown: {"hour": 2, "minute": 47}
